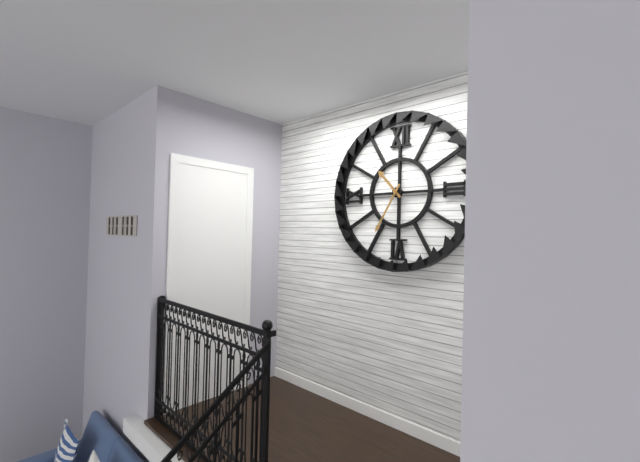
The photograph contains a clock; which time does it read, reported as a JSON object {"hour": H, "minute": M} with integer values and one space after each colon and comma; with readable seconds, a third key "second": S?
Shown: {"hour": 10, "minute": 35}
